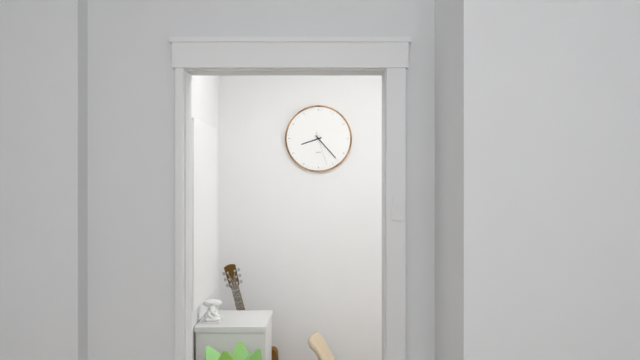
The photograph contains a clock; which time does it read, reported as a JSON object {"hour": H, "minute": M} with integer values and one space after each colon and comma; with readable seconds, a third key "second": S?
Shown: {"hour": 8, "minute": 23}
